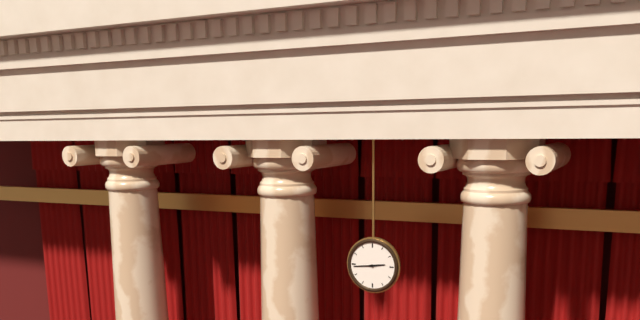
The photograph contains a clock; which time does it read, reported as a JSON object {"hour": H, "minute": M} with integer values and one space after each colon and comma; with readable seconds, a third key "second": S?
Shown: {"hour": 2, "minute": 44}
